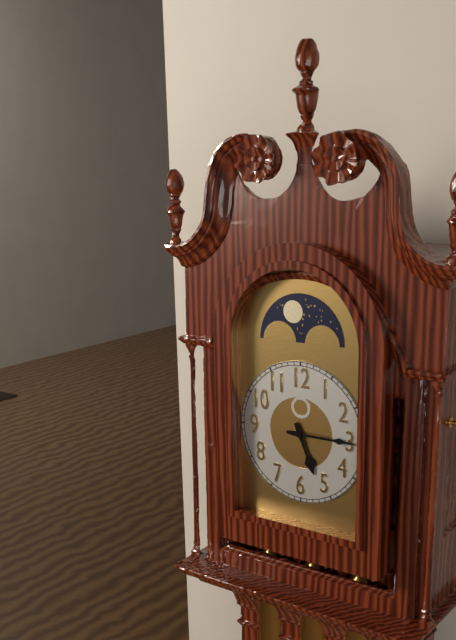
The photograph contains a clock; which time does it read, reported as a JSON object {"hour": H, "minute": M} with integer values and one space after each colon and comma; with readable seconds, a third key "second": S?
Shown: {"hour": 5, "minute": 15}
